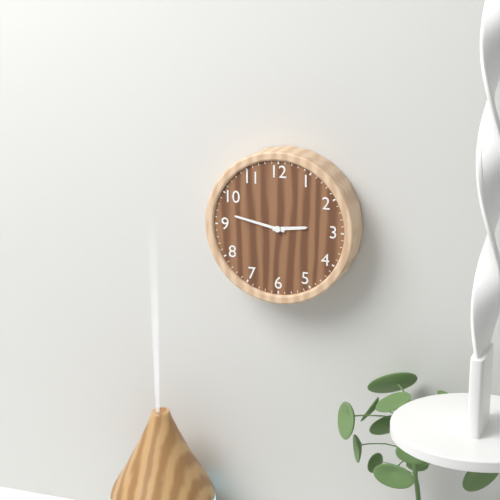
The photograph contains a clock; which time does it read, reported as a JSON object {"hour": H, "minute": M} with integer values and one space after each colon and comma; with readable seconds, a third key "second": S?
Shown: {"hour": 2, "minute": 47}
